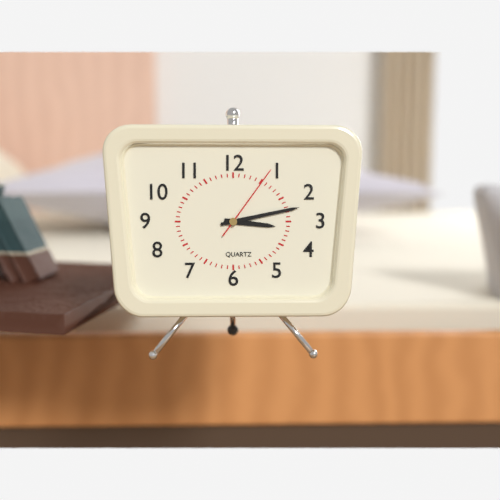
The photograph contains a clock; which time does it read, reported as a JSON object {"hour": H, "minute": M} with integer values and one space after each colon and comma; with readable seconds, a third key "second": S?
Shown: {"hour": 3, "minute": 13, "second": 6}
